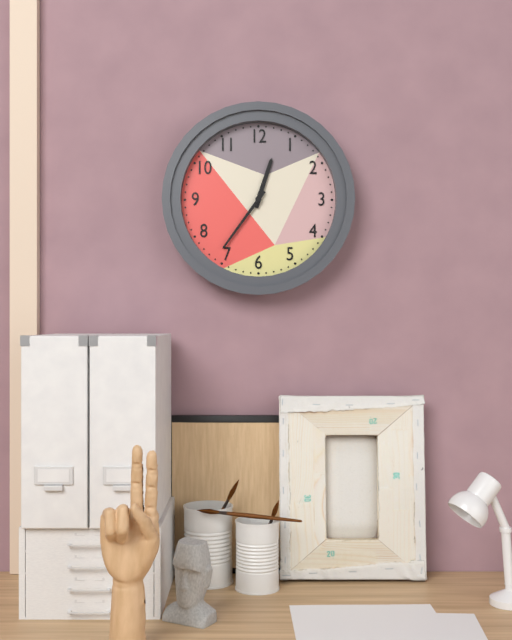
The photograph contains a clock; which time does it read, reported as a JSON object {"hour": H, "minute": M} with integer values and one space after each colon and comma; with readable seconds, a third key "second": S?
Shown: {"hour": 12, "minute": 36}
